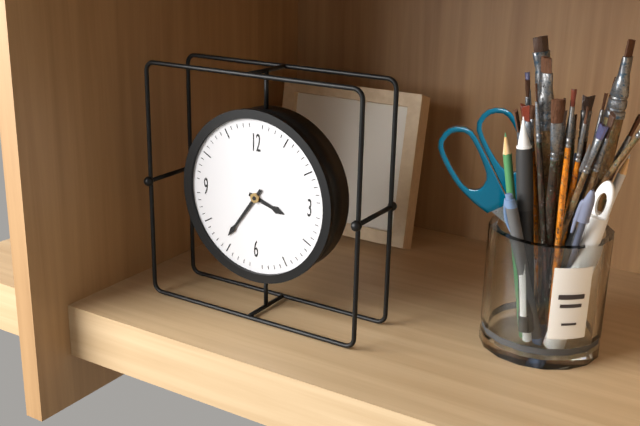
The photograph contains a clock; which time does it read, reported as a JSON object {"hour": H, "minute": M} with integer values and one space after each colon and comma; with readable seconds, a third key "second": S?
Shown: {"hour": 3, "minute": 36}
